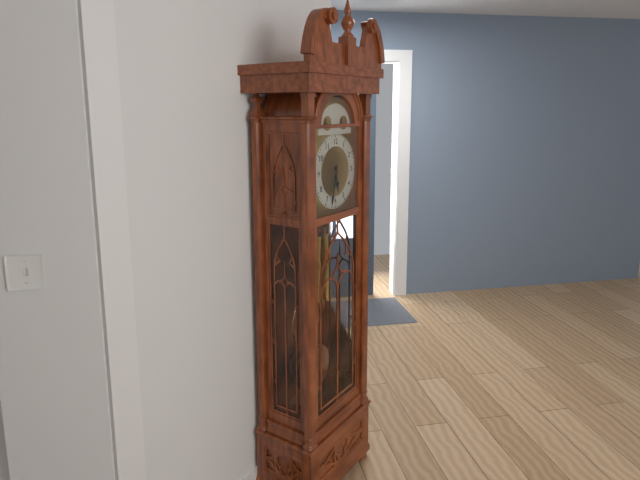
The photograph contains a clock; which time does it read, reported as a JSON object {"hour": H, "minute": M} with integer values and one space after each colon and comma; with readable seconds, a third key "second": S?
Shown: {"hour": 5, "minute": 32}
